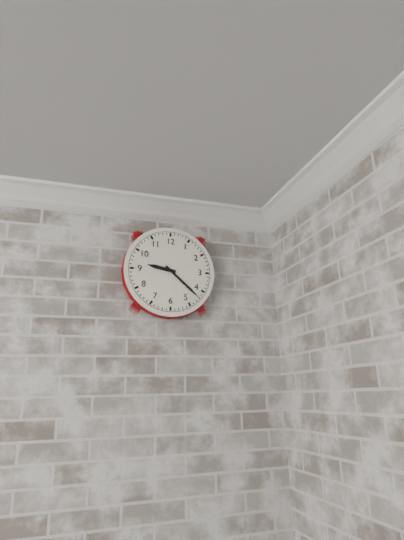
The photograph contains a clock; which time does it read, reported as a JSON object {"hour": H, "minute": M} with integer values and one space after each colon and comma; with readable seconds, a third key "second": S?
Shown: {"hour": 9, "minute": 22}
